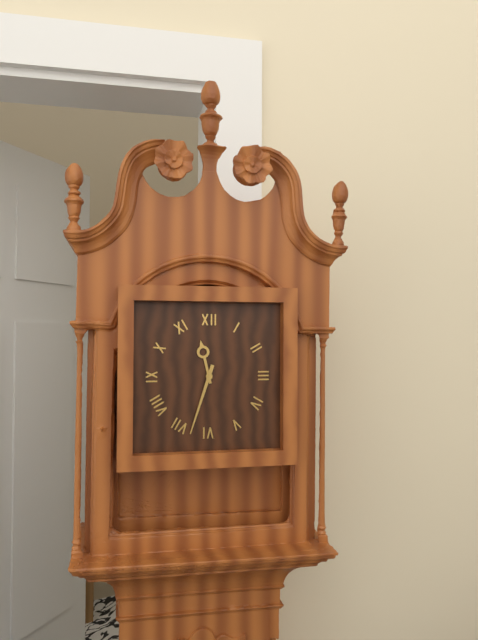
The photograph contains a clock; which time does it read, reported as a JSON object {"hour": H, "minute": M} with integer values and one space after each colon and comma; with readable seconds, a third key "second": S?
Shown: {"hour": 11, "minute": 33}
